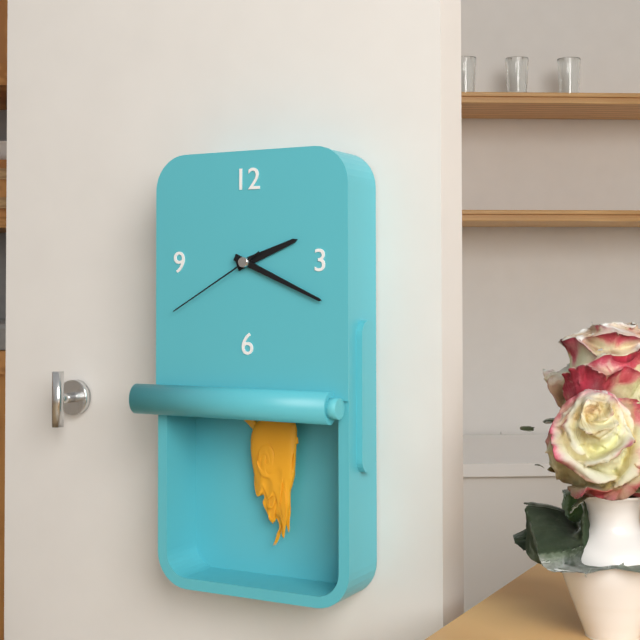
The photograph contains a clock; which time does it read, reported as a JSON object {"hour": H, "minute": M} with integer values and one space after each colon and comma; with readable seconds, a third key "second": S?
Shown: {"hour": 2, "minute": 19, "second": 40}
